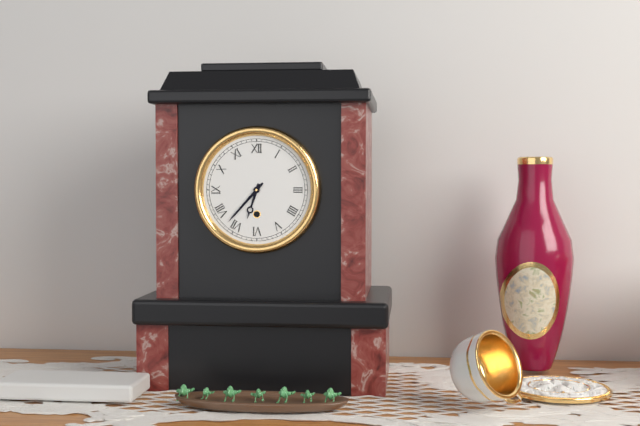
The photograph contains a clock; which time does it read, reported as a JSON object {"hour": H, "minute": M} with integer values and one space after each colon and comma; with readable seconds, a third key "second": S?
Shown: {"hour": 6, "minute": 37}
